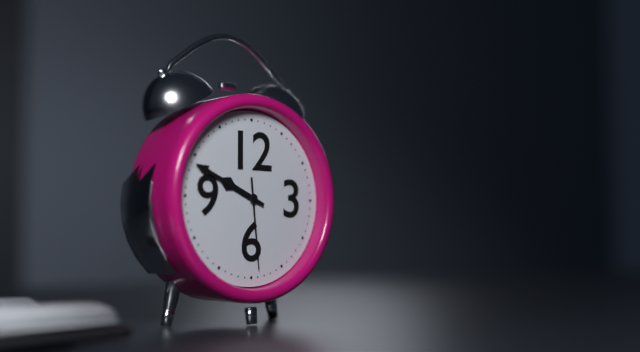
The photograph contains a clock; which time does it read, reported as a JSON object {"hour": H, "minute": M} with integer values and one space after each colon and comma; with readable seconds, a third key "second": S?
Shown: {"hour": 9, "minute": 49, "second": 29}
